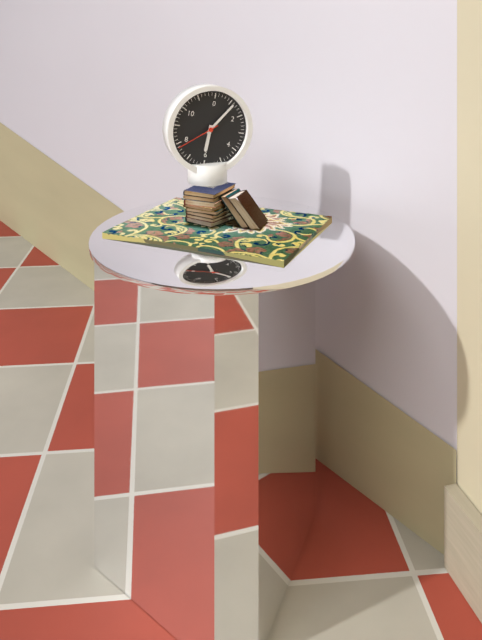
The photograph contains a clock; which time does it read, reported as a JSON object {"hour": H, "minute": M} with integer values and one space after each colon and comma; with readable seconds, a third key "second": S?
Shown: {"hour": 6, "minute": 6}
